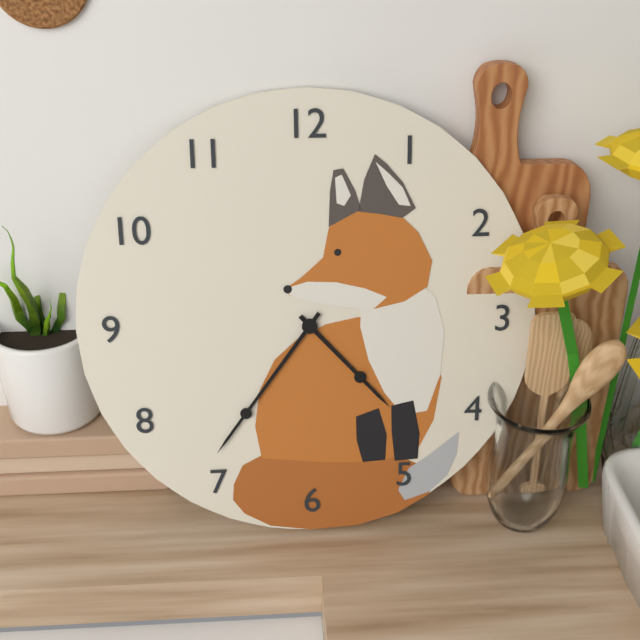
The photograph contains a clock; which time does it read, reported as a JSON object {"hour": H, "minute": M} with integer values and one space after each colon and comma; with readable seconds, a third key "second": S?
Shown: {"hour": 4, "minute": 36}
